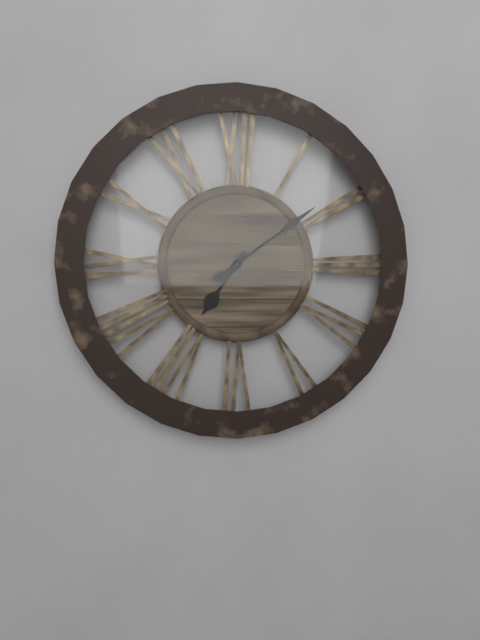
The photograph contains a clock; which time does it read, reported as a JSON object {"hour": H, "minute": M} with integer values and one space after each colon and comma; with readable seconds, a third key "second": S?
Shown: {"hour": 7, "minute": 9}
